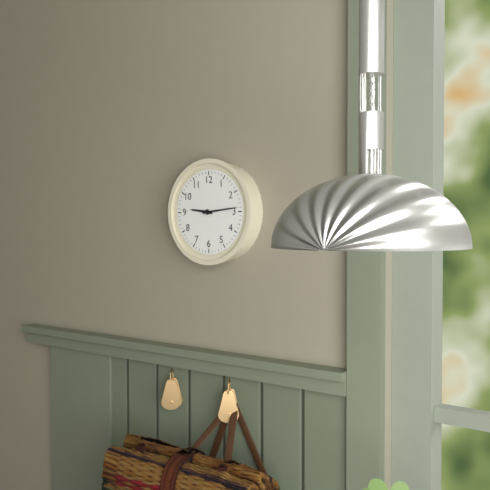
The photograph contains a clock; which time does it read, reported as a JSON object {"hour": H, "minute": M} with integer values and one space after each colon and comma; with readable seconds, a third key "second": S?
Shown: {"hour": 9, "minute": 14}
